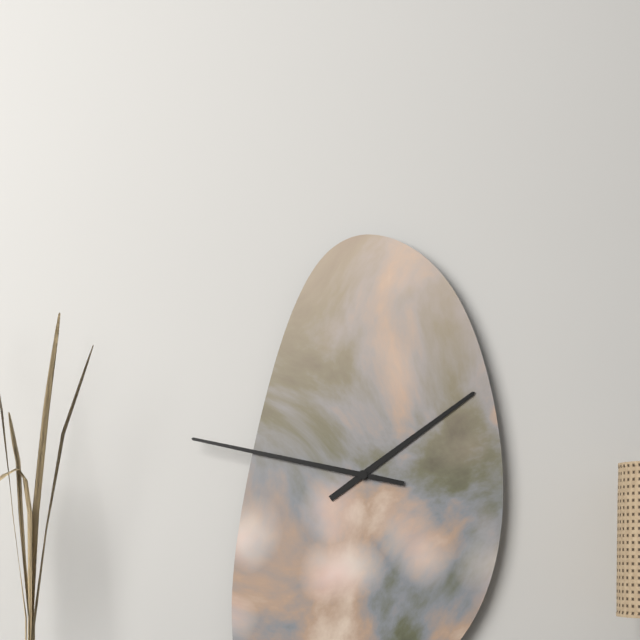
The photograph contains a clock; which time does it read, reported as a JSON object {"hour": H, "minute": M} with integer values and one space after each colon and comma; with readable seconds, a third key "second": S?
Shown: {"hour": 1, "minute": 47}
